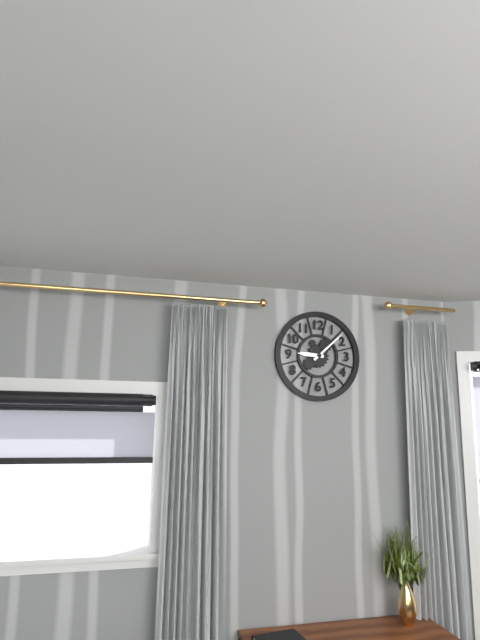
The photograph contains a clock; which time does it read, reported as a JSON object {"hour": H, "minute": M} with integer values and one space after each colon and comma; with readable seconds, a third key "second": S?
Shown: {"hour": 9, "minute": 8}
